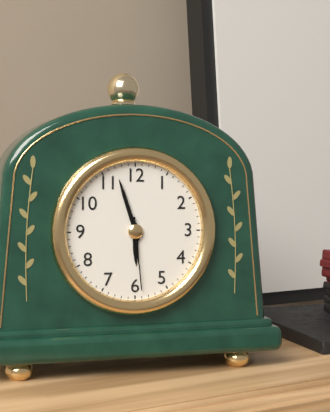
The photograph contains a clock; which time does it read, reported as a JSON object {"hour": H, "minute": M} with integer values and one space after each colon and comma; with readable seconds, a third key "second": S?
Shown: {"hour": 5, "minute": 57, "second": 29}
